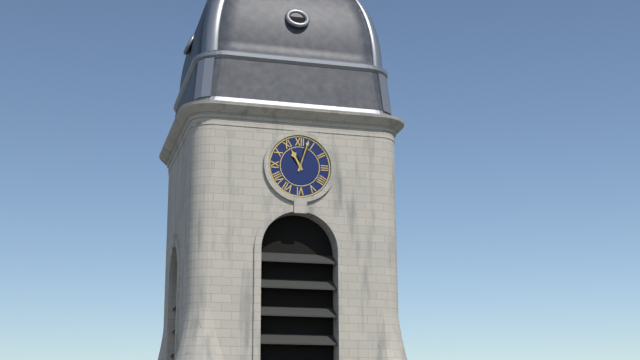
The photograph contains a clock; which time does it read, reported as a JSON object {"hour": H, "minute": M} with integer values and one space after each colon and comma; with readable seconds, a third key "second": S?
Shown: {"hour": 11, "minute": 3}
